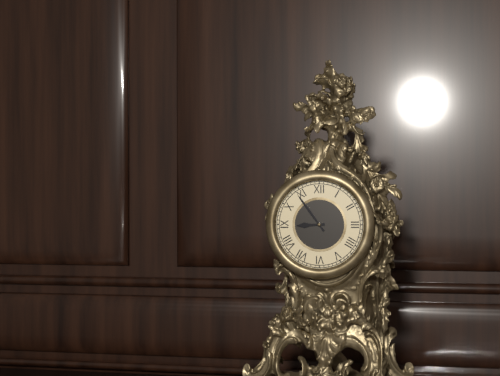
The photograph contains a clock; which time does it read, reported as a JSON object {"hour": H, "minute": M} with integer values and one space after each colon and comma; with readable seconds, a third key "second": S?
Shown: {"hour": 8, "minute": 54}
